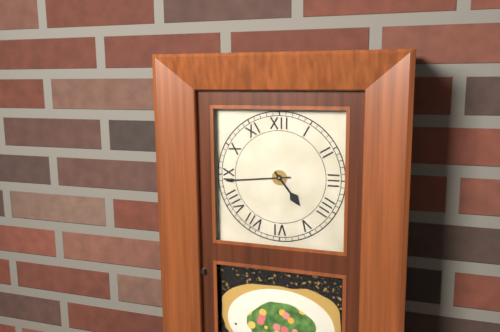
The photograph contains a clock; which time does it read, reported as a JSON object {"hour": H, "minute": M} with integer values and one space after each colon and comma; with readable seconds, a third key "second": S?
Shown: {"hour": 4, "minute": 44}
